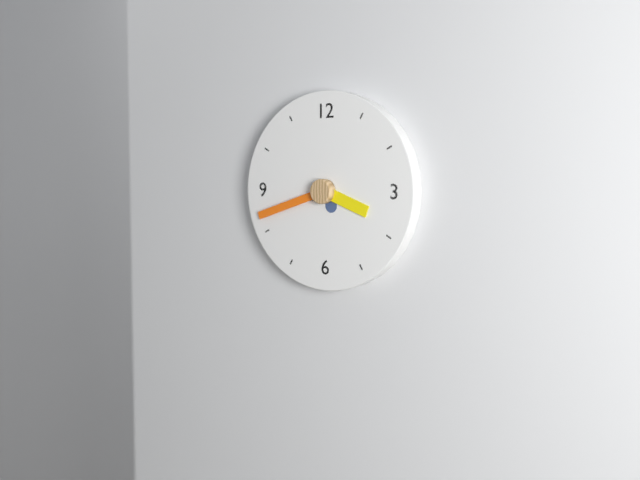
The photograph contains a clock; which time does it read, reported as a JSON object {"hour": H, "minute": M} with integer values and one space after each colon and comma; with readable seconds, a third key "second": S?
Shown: {"hour": 3, "minute": 42}
